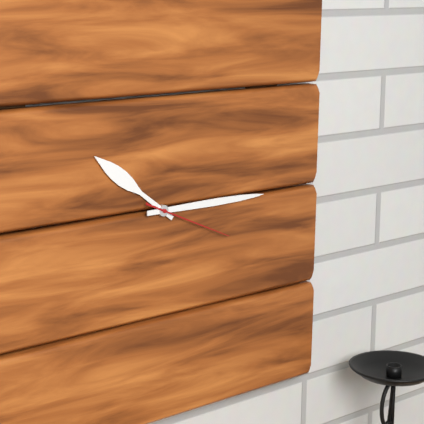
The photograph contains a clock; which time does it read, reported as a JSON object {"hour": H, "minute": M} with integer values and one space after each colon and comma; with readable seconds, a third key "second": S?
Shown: {"hour": 10, "minute": 15, "second": 19}
